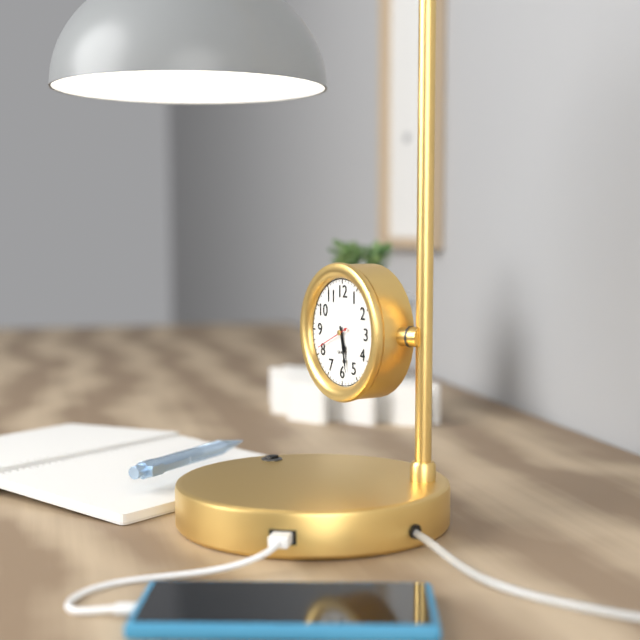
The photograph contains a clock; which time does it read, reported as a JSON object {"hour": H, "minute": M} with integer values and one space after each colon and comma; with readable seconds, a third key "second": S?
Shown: {"hour": 5, "minute": 28}
